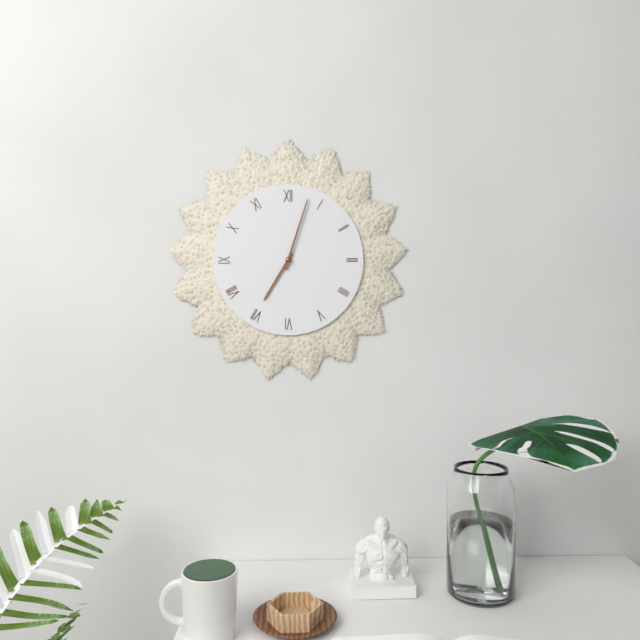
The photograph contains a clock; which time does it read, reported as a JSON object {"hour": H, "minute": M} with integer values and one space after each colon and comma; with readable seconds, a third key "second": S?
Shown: {"hour": 7, "minute": 3}
